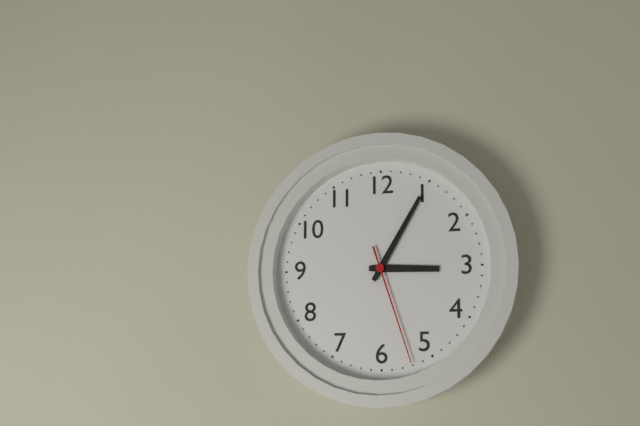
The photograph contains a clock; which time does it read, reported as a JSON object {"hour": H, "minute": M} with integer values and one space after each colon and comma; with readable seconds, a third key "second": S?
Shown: {"hour": 3, "minute": 5, "second": 27}
